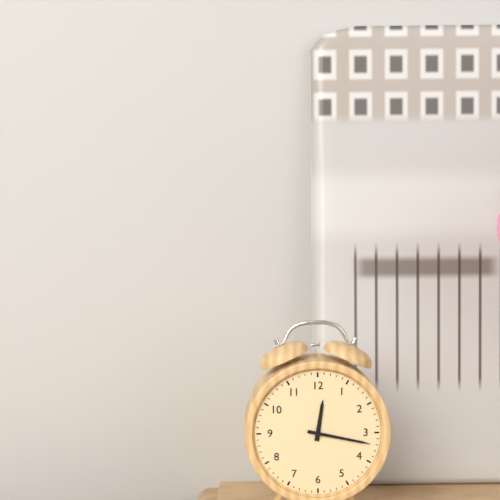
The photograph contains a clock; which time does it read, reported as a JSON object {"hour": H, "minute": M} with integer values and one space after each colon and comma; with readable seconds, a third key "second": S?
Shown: {"hour": 12, "minute": 17}
